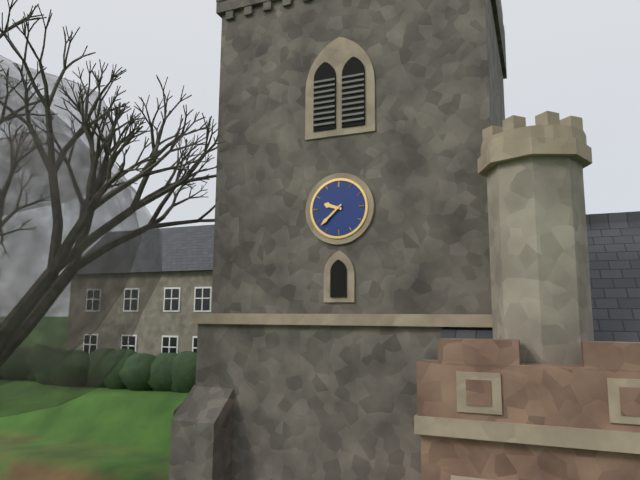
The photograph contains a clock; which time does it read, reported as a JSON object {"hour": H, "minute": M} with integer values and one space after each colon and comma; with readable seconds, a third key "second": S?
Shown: {"hour": 9, "minute": 38}
